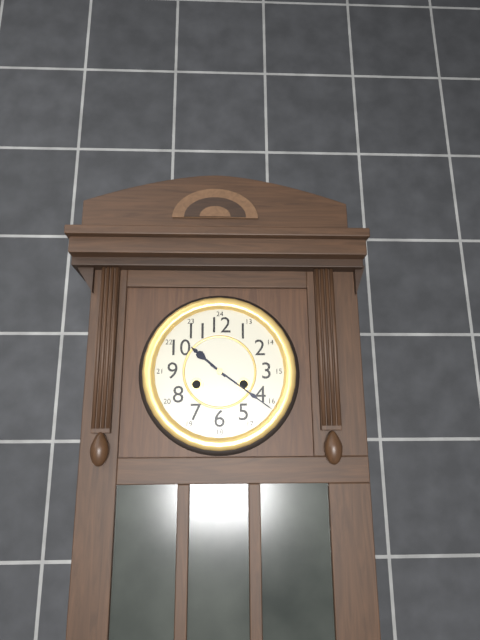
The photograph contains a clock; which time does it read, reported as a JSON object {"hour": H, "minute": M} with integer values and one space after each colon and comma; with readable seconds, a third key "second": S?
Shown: {"hour": 10, "minute": 21}
